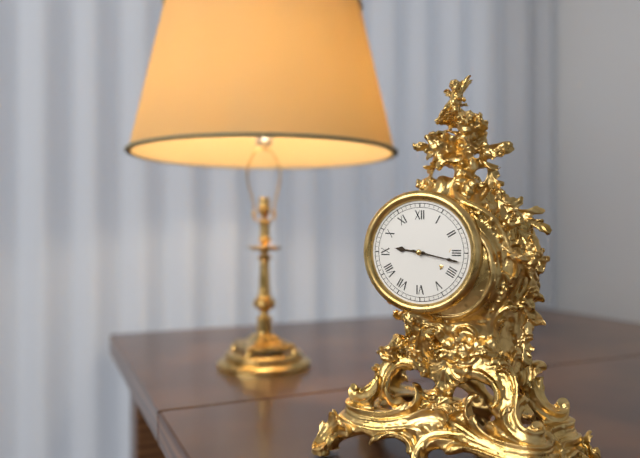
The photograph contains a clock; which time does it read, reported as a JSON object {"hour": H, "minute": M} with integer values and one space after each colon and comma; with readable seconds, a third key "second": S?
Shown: {"hour": 9, "minute": 17}
